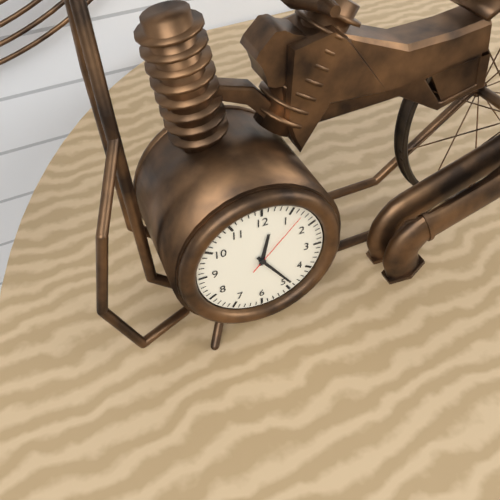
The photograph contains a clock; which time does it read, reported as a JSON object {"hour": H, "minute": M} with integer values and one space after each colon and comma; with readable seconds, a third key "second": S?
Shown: {"hour": 12, "minute": 24, "second": 7}
